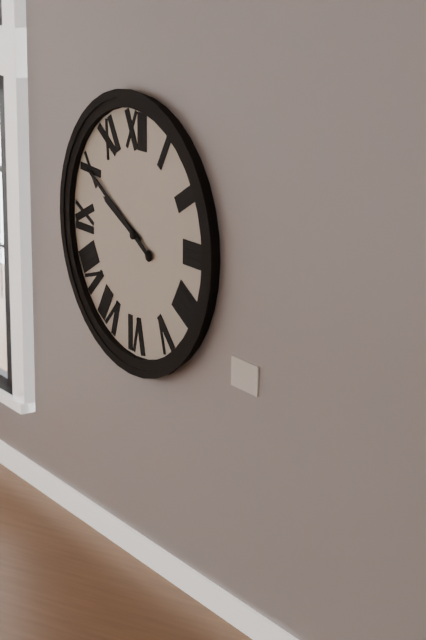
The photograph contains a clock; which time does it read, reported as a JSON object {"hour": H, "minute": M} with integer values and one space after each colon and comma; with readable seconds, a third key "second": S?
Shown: {"hour": 9, "minute": 50}
